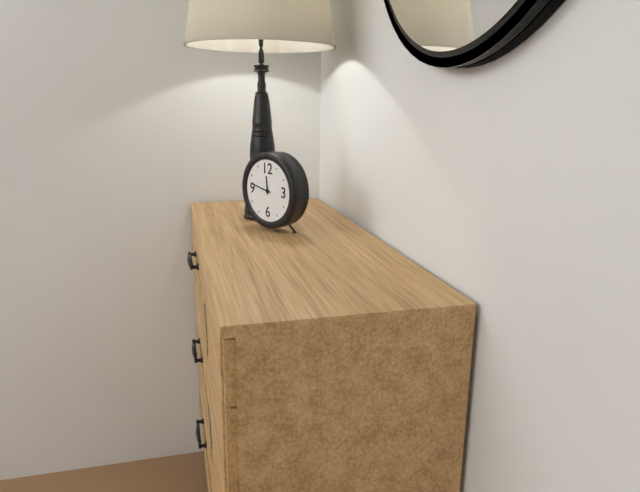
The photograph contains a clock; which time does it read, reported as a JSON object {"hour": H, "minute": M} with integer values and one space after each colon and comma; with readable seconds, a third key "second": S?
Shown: {"hour": 11, "minute": 47}
